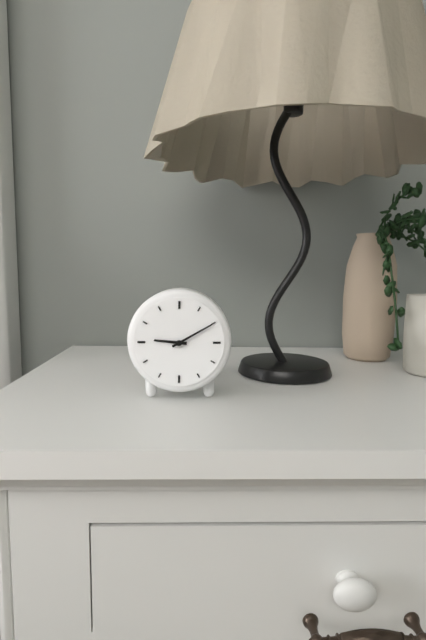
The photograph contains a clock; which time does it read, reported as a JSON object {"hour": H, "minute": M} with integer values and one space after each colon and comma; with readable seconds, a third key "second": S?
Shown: {"hour": 9, "minute": 10}
